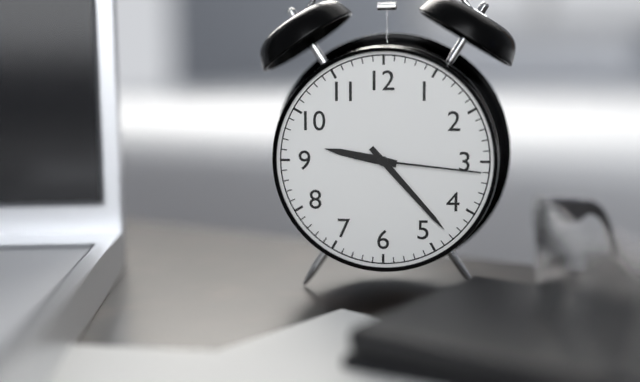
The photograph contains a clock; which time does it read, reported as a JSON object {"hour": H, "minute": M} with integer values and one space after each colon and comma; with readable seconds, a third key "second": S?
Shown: {"hour": 9, "minute": 23, "second": 16}
